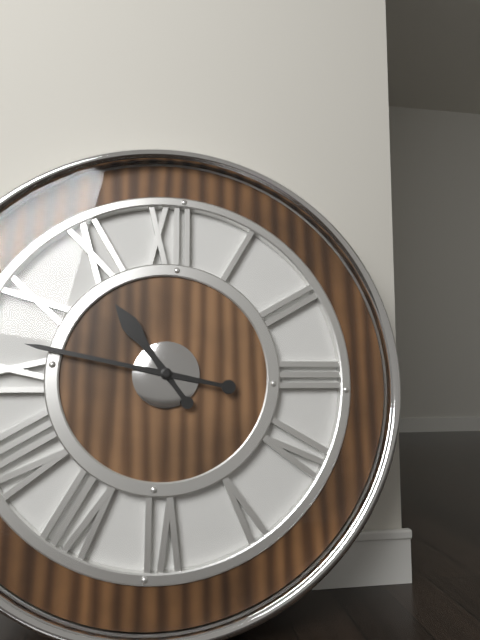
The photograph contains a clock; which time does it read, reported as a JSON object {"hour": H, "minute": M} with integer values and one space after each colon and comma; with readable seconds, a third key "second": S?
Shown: {"hour": 10, "minute": 47}
